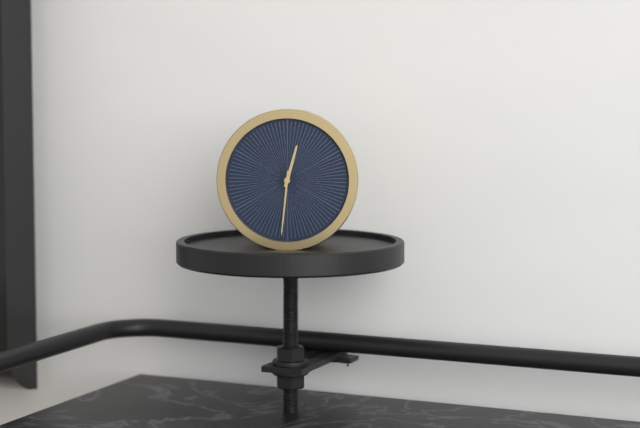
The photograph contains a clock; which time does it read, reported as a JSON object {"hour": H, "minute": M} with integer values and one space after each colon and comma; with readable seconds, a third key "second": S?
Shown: {"hour": 12, "minute": 31}
